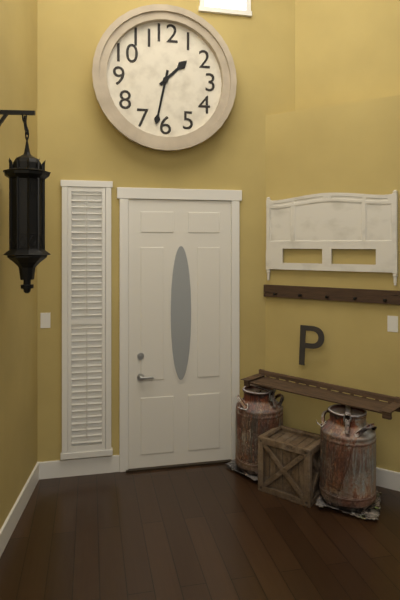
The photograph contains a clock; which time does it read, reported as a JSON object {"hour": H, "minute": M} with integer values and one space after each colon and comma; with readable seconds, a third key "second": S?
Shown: {"hour": 1, "minute": 32}
